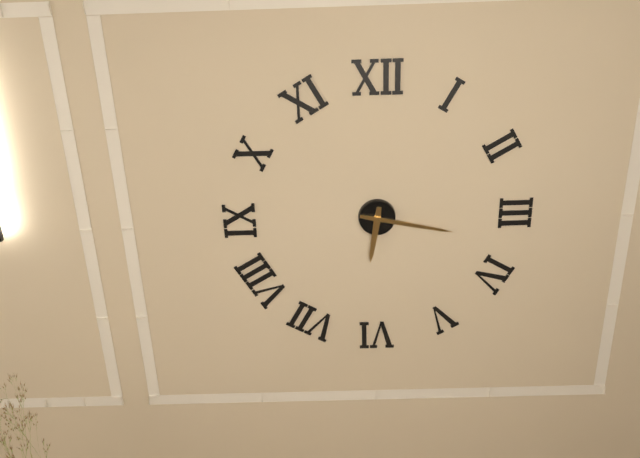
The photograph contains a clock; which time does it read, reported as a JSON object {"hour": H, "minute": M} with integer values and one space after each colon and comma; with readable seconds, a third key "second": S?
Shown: {"hour": 6, "minute": 17}
